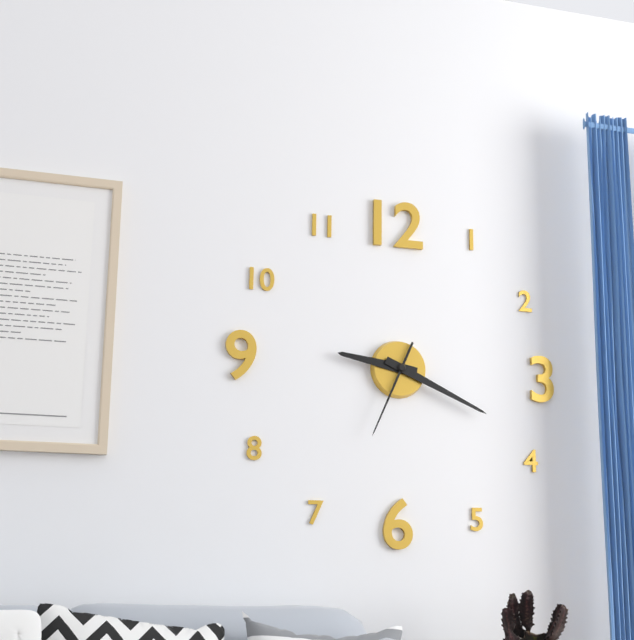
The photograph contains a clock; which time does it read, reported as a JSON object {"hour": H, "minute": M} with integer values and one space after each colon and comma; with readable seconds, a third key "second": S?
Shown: {"hour": 9, "minute": 19, "second": 34}
